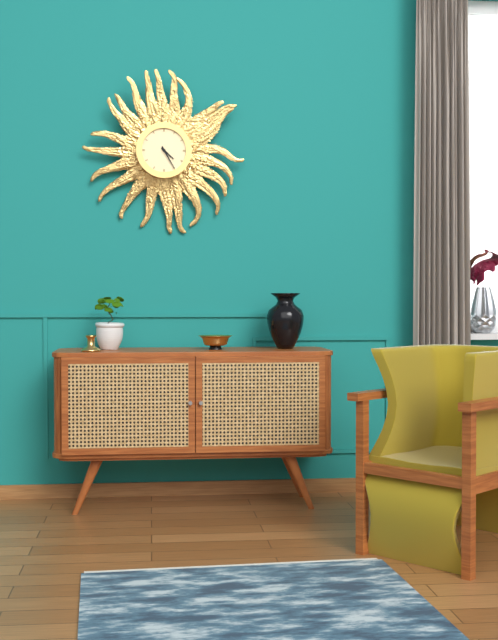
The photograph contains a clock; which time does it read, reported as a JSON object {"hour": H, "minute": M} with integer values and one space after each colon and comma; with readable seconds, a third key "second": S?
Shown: {"hour": 4, "minute": 25}
